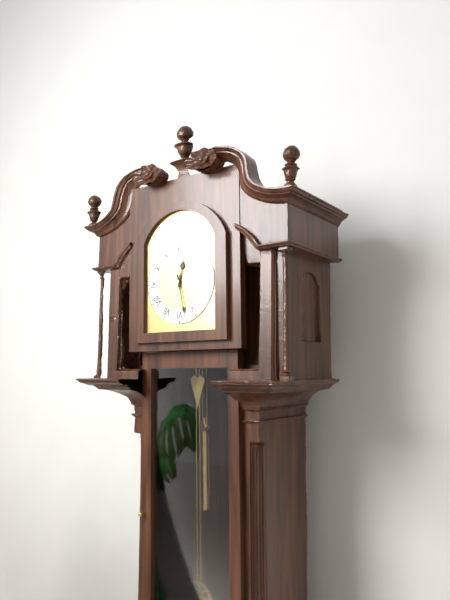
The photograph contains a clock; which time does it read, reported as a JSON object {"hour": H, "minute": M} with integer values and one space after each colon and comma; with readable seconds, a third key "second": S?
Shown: {"hour": 12, "minute": 28}
